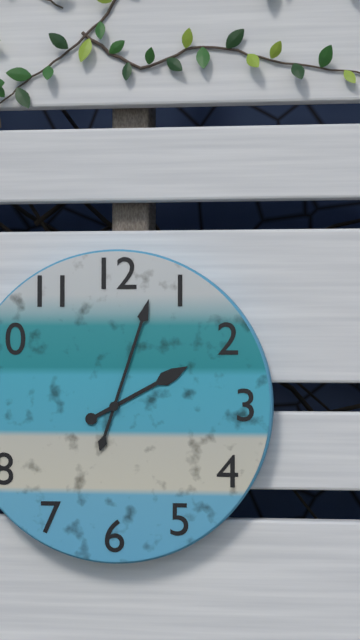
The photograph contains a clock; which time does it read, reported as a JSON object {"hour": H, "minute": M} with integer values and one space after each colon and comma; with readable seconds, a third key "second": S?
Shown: {"hour": 2, "minute": 3}
